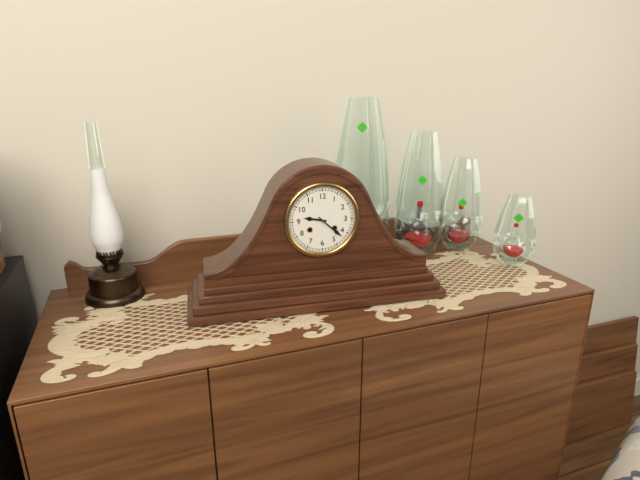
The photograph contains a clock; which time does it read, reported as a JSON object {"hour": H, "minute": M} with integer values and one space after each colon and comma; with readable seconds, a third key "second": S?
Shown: {"hour": 9, "minute": 22}
